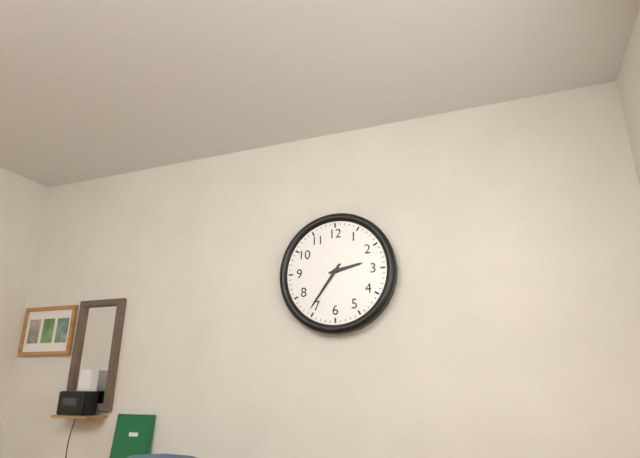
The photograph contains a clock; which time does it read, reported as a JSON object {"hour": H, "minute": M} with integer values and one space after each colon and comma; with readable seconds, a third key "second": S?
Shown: {"hour": 2, "minute": 36}
